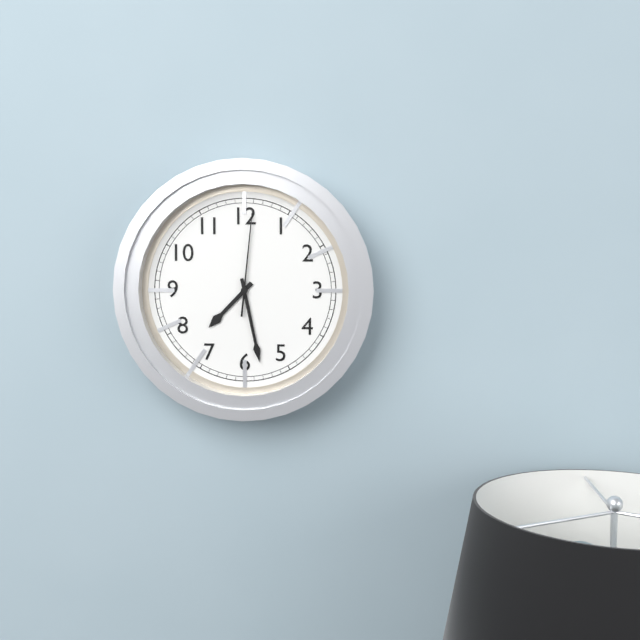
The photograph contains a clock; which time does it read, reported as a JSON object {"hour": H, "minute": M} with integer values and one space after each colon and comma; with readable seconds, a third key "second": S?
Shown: {"hour": 7, "minute": 28, "second": 1}
